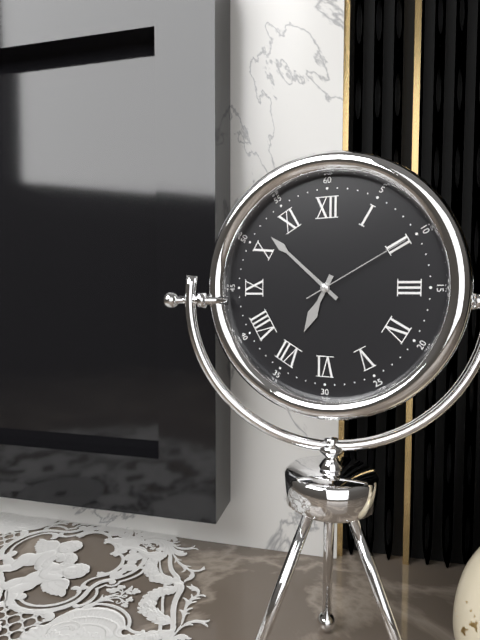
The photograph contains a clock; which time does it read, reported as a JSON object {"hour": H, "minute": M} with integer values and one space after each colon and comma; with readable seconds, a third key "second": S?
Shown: {"hour": 6, "minute": 52, "second": 10}
